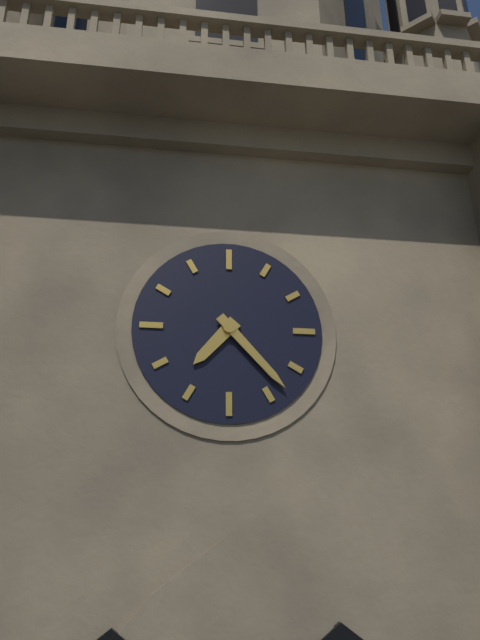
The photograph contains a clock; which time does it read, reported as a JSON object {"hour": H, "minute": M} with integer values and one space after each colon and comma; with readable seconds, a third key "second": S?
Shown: {"hour": 7, "minute": 23}
